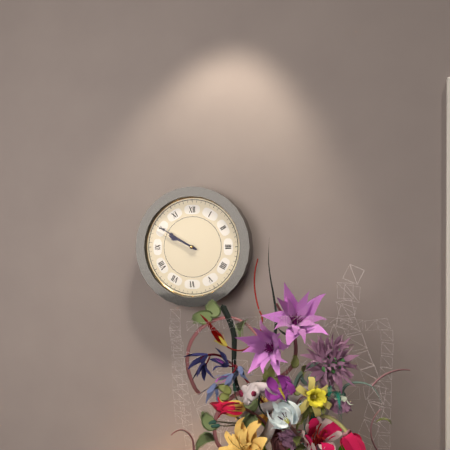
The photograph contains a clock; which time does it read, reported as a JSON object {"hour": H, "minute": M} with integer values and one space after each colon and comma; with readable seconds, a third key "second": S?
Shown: {"hour": 9, "minute": 50}
